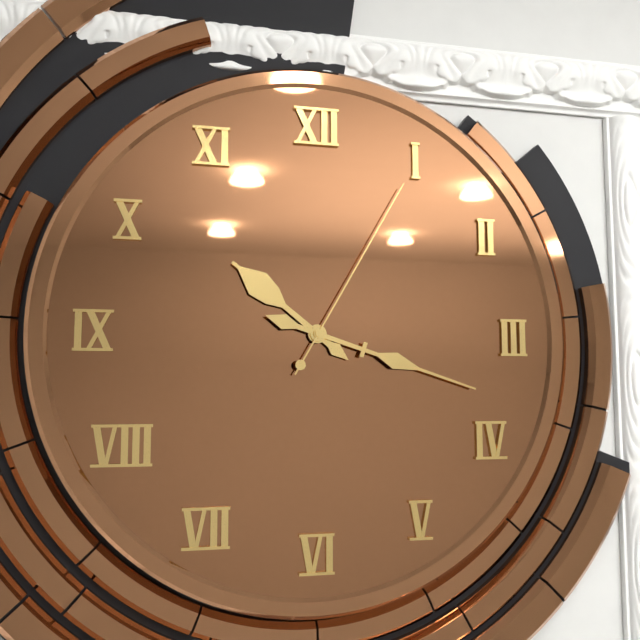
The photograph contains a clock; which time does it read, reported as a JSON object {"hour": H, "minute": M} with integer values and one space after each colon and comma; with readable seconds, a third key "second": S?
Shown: {"hour": 10, "minute": 18, "second": 5}
